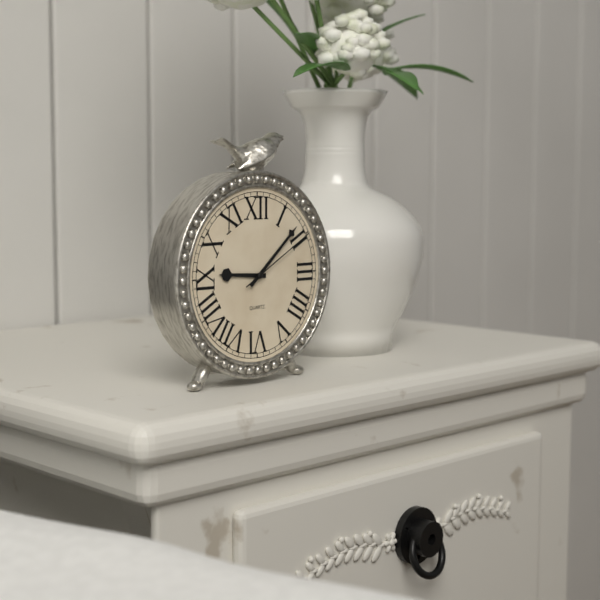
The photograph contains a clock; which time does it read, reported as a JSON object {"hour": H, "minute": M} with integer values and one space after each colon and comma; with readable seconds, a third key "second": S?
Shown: {"hour": 9, "minute": 8, "second": 10}
